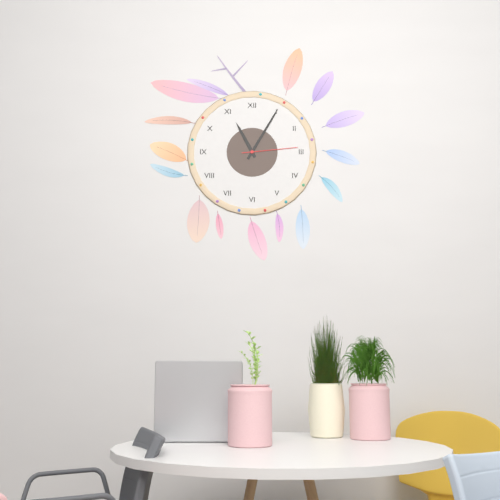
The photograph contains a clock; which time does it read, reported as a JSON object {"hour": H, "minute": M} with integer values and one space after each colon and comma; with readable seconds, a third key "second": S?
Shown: {"hour": 11, "minute": 5, "second": 14}
